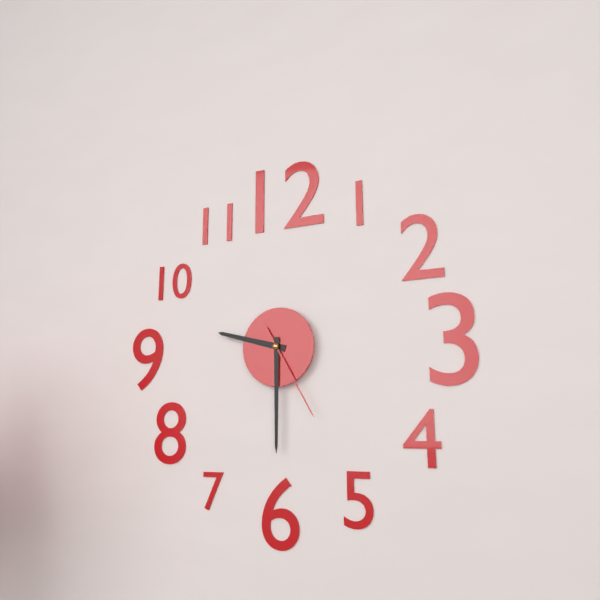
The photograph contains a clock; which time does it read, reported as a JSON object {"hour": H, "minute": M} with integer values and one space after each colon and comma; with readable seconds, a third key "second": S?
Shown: {"hour": 9, "minute": 30, "second": 25}
